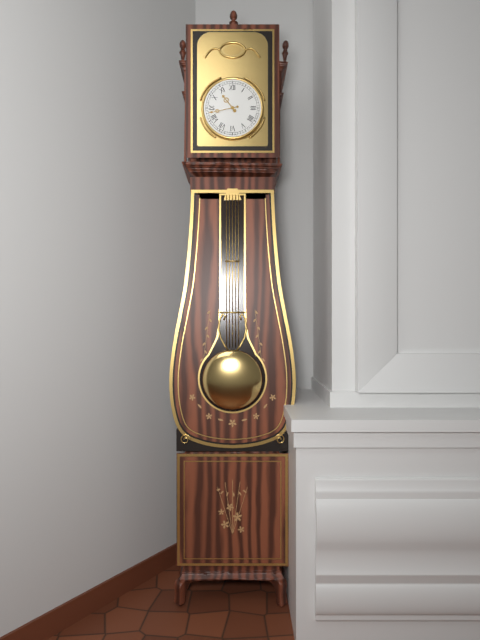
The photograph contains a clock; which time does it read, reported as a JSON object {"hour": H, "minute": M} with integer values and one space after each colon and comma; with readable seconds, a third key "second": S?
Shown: {"hour": 10, "minute": 43}
